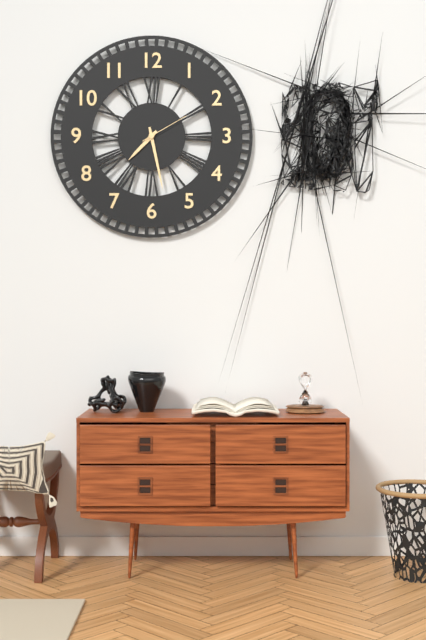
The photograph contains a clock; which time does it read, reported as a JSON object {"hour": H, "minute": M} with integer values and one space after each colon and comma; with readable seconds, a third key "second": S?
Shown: {"hour": 7, "minute": 28, "second": 10}
